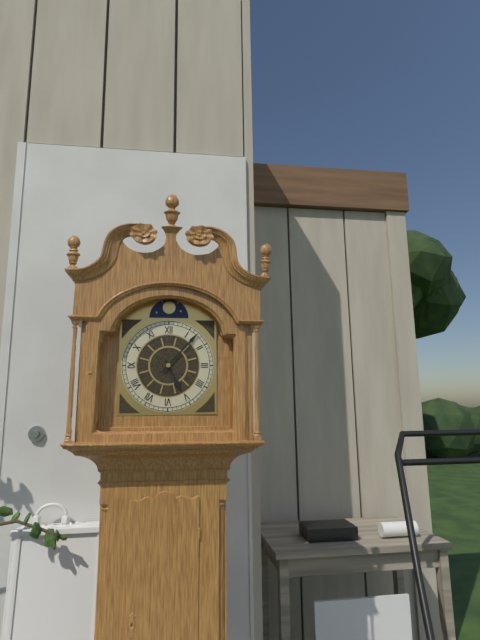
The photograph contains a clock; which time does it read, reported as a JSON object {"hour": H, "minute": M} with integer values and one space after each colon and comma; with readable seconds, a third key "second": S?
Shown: {"hour": 5, "minute": 7}
